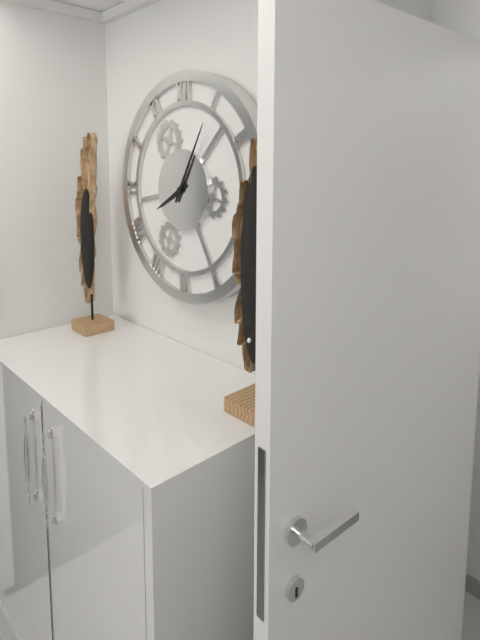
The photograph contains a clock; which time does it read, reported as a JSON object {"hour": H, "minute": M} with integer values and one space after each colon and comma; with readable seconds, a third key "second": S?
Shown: {"hour": 8, "minute": 5}
